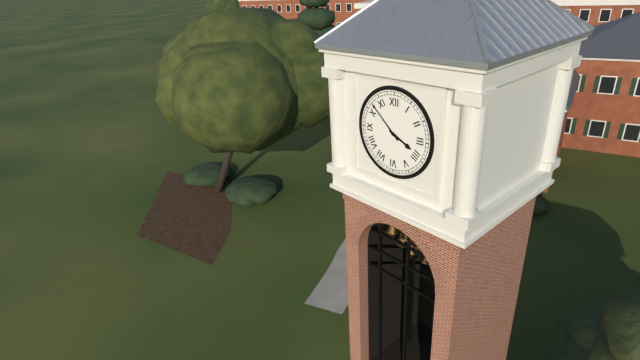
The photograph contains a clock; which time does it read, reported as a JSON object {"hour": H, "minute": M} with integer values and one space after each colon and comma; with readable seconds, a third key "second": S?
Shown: {"hour": 3, "minute": 52}
